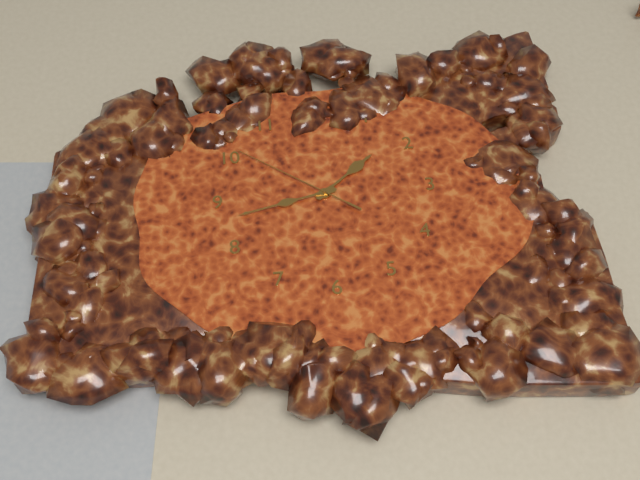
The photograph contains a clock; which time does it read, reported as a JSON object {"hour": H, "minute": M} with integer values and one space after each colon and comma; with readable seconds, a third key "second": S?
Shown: {"hour": 1, "minute": 43, "second": 51}
